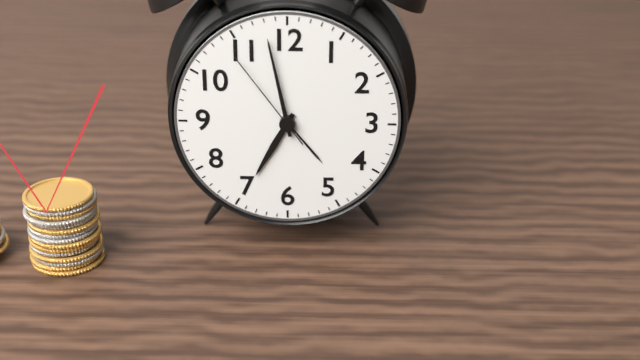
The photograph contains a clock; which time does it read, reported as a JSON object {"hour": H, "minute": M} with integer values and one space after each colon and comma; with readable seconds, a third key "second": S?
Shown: {"hour": 6, "minute": 58, "second": 54}
